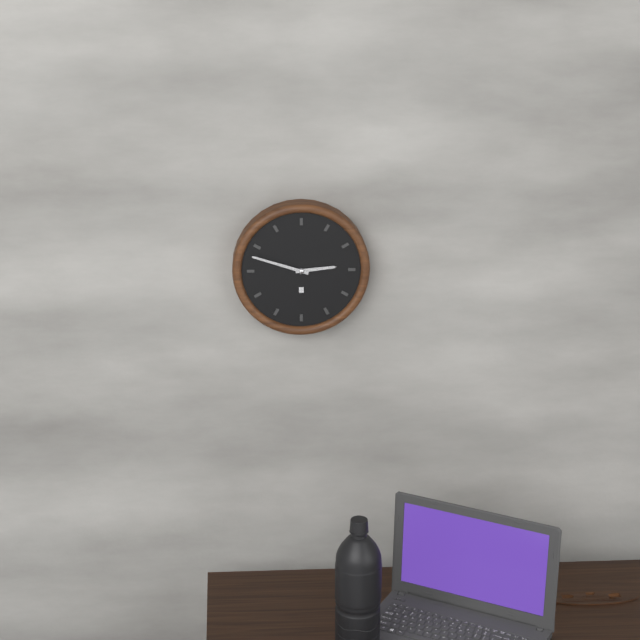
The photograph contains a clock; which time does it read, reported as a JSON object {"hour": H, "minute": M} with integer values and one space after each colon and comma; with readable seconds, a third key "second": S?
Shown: {"hour": 2, "minute": 48}
